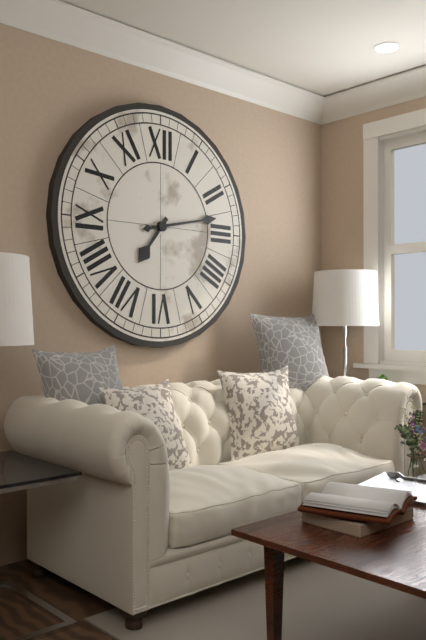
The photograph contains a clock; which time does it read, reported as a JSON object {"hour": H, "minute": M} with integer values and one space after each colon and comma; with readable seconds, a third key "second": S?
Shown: {"hour": 7, "minute": 13}
